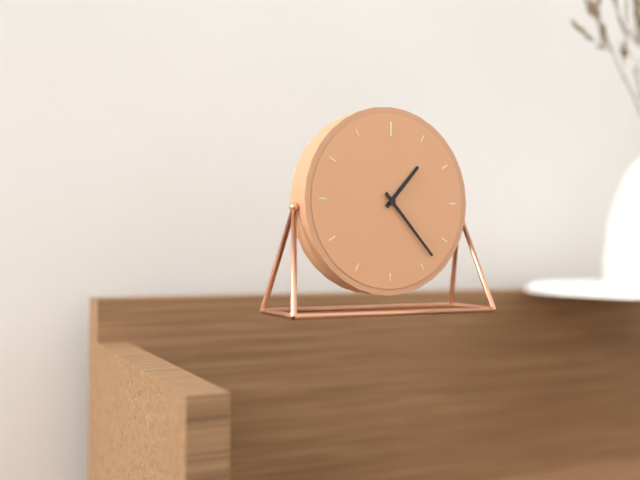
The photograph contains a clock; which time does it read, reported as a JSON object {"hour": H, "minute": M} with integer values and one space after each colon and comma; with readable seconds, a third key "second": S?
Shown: {"hour": 1, "minute": 23}
